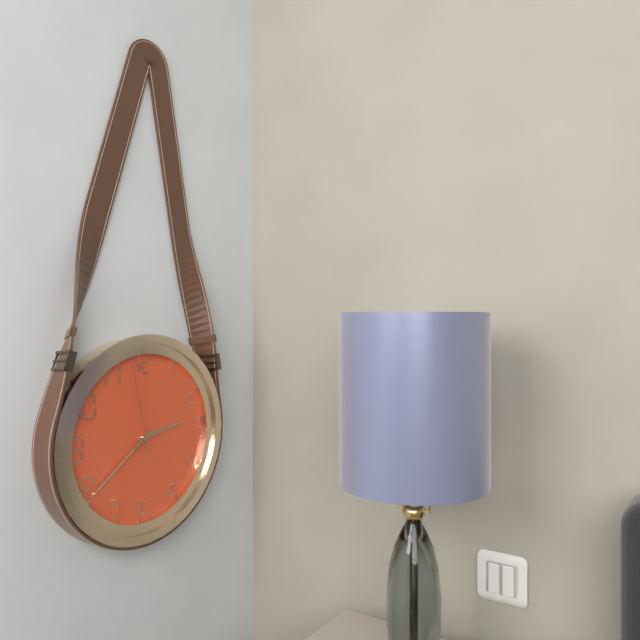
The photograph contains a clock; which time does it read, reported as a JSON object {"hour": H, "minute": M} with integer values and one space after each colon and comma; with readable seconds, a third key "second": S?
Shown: {"hour": 2, "minute": 39, "second": 58}
